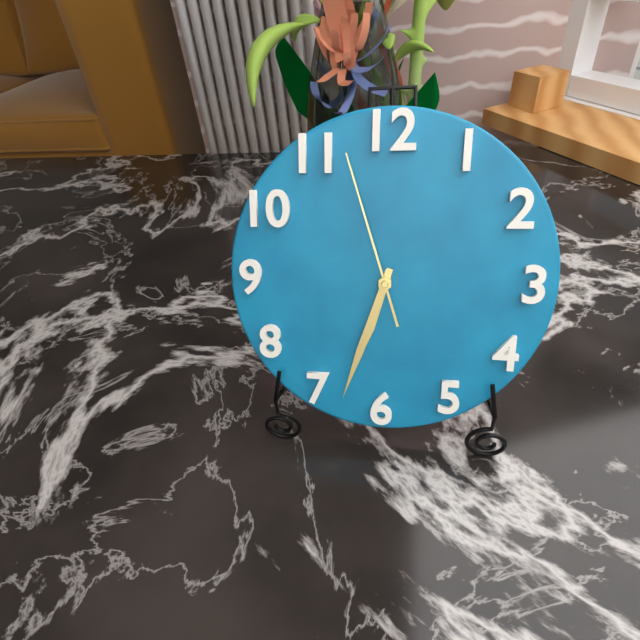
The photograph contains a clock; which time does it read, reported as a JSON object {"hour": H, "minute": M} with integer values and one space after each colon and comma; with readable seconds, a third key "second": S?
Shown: {"hour": 6, "minute": 33, "second": 57}
